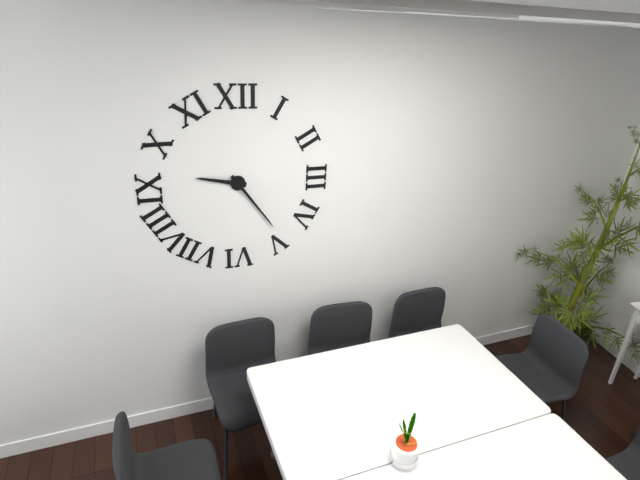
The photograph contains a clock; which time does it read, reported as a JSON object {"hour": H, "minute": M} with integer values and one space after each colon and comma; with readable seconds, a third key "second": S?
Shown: {"hour": 9, "minute": 24}
